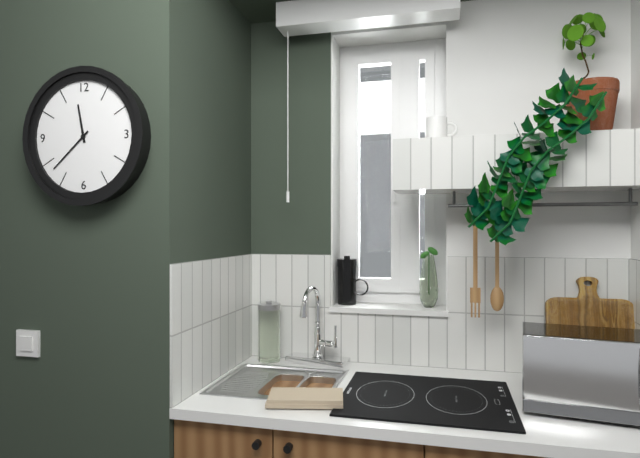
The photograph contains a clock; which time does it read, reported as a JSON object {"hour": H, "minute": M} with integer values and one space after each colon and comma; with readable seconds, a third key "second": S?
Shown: {"hour": 11, "minute": 38}
